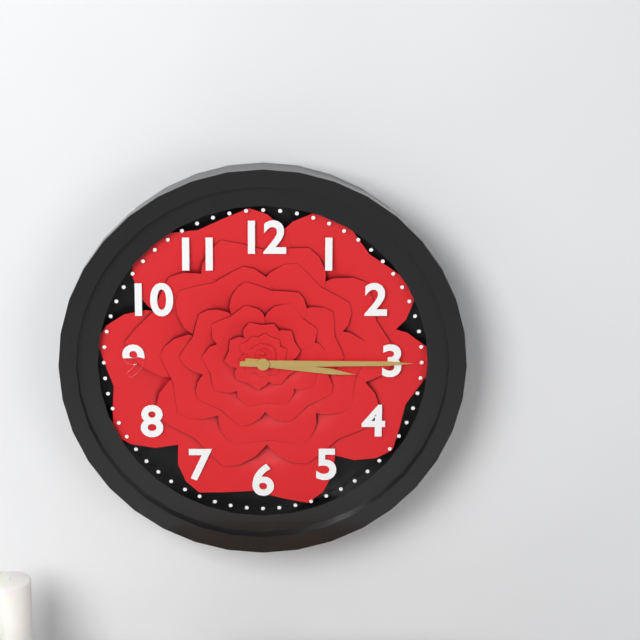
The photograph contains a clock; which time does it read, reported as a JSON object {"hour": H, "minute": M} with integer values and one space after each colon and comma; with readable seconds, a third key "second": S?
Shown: {"hour": 3, "minute": 15}
